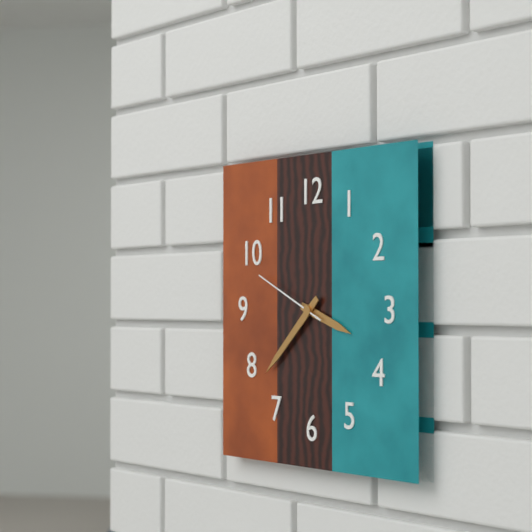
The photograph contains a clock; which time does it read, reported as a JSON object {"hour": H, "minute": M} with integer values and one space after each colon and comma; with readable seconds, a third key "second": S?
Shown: {"hour": 3, "minute": 38, "second": 49}
